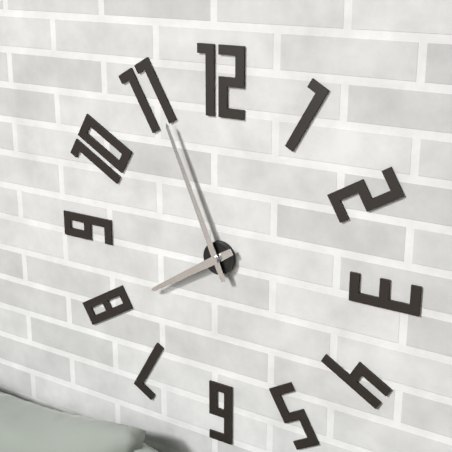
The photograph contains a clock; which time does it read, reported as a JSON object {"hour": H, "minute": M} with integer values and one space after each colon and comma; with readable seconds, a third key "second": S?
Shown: {"hour": 7, "minute": 56}
